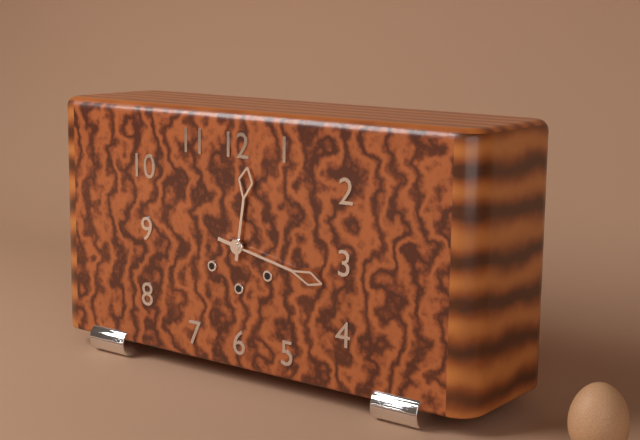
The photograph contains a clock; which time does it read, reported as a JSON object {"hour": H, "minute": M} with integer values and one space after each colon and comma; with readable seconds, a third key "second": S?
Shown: {"hour": 12, "minute": 17}
